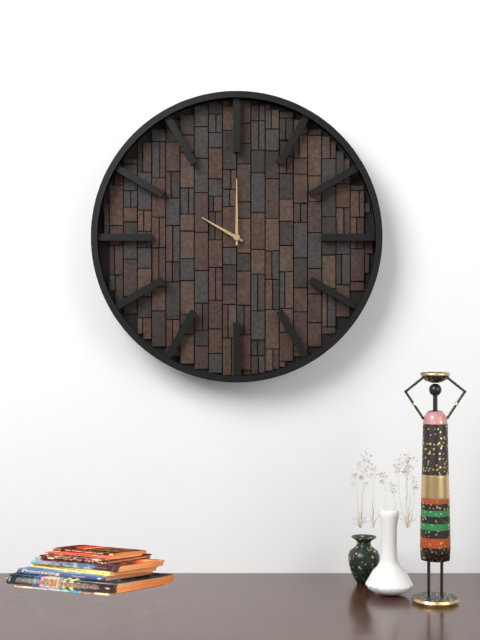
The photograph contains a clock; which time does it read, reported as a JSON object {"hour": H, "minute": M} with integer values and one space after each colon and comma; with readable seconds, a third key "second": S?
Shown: {"hour": 10, "minute": 0}
